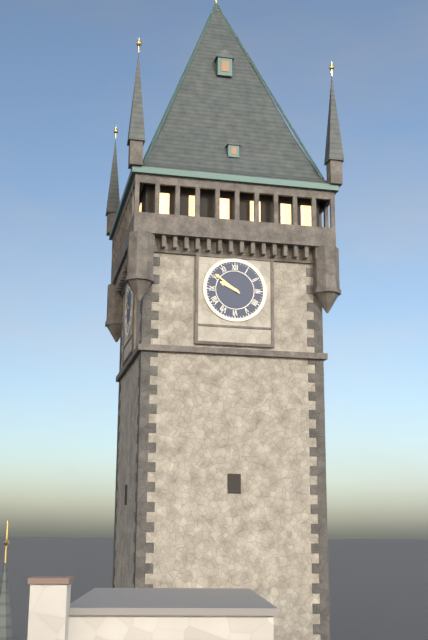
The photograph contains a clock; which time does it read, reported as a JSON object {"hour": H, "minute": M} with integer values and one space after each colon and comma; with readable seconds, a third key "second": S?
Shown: {"hour": 9, "minute": 51}
